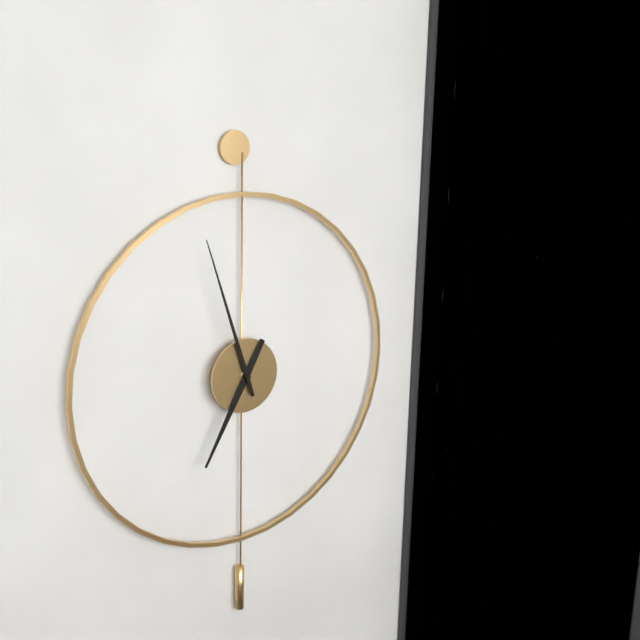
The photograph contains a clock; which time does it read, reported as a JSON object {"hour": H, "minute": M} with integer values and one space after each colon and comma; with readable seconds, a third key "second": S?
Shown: {"hour": 6, "minute": 57}
